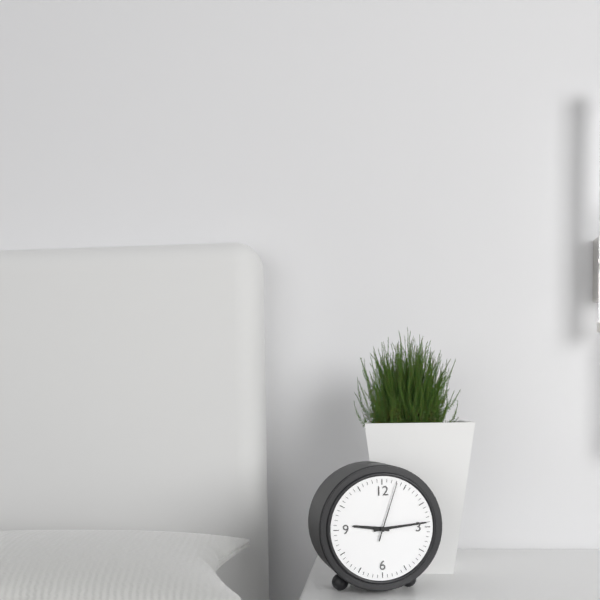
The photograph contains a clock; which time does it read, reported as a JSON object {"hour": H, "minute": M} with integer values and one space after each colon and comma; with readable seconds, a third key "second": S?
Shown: {"hour": 9, "minute": 14, "second": 3}
